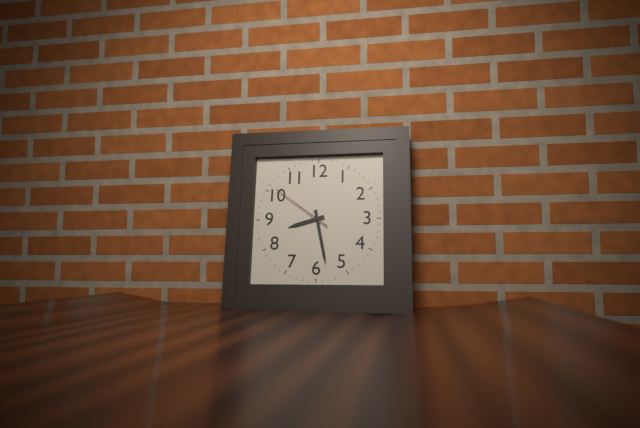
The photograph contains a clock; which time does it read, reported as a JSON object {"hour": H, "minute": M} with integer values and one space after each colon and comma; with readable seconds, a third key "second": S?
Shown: {"hour": 8, "minute": 28, "second": 51}
